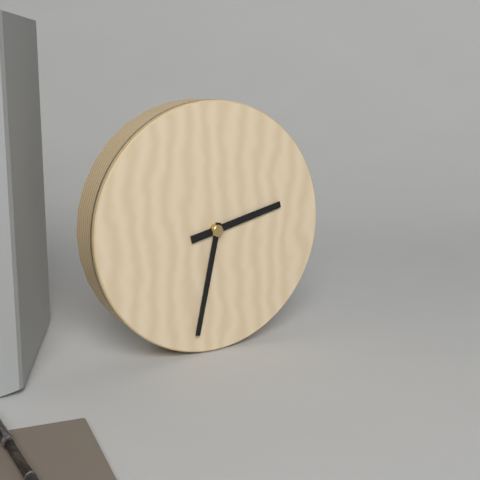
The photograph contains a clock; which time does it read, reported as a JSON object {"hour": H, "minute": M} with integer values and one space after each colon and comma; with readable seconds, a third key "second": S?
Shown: {"hour": 2, "minute": 32}
